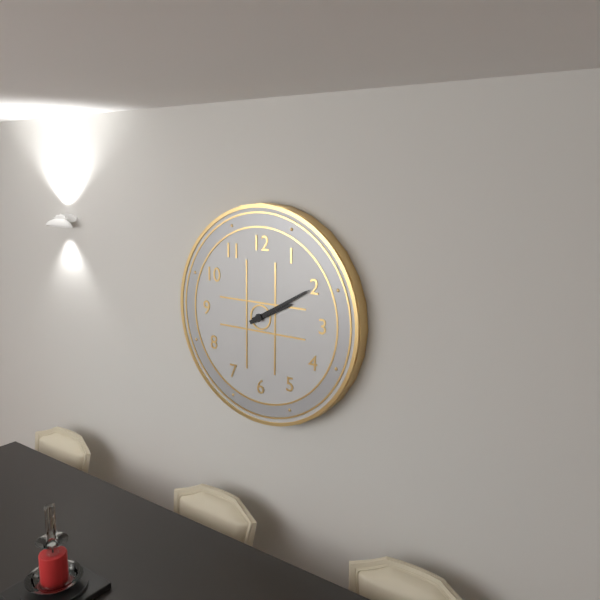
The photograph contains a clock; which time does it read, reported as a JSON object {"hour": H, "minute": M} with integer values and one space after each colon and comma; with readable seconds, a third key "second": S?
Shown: {"hour": 2, "minute": 10}
